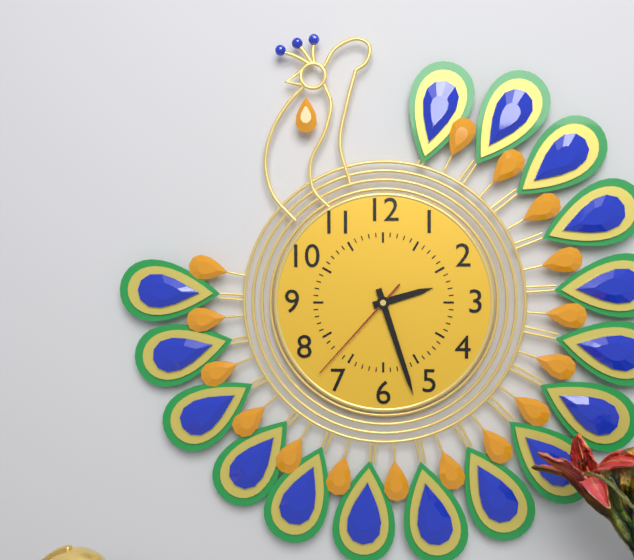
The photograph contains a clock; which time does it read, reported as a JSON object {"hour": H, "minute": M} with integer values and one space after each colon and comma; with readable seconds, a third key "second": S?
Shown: {"hour": 2, "minute": 27, "second": 37}
